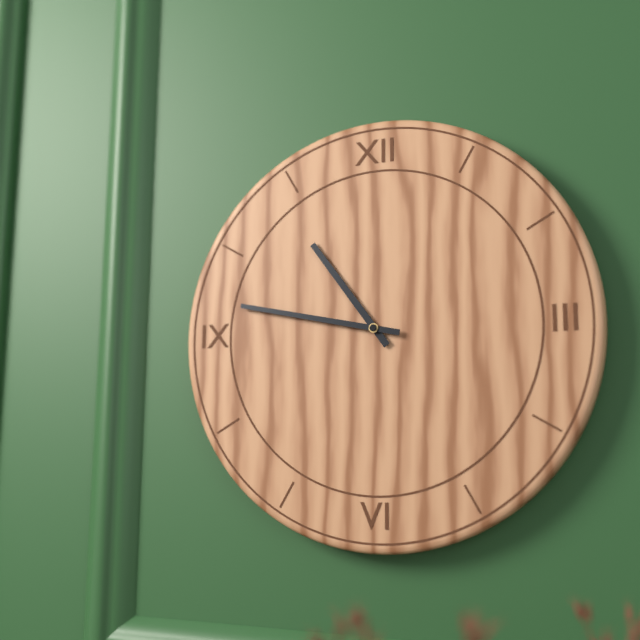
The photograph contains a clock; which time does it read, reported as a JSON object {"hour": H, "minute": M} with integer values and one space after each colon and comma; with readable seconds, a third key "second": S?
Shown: {"hour": 10, "minute": 47}
